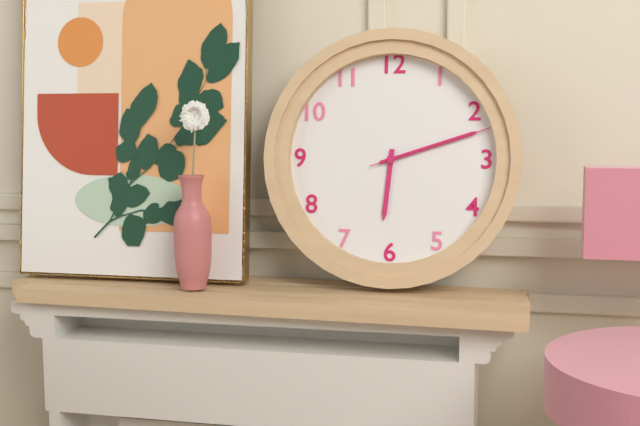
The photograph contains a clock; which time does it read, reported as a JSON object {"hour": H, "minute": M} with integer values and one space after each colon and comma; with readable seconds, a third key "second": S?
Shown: {"hour": 6, "minute": 12, "second": 12}
